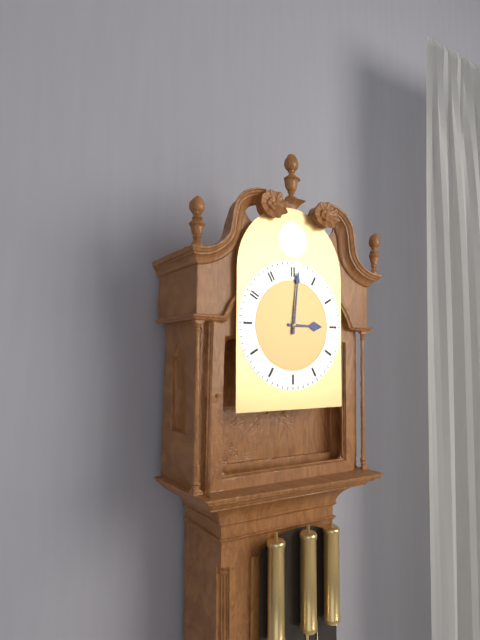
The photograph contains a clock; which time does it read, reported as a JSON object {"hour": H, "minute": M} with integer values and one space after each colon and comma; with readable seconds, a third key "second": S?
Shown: {"hour": 3, "minute": 1}
